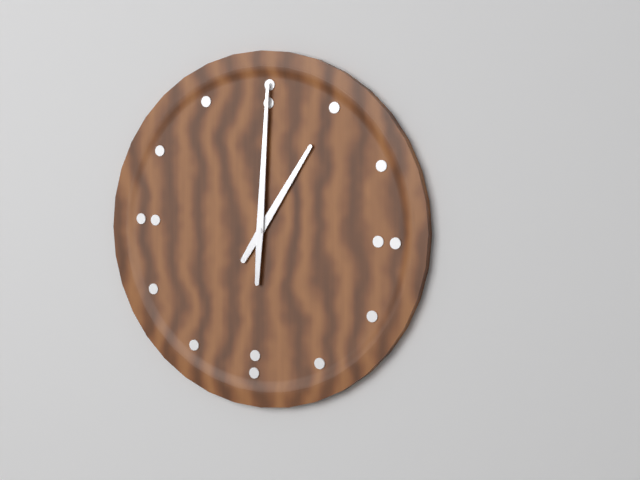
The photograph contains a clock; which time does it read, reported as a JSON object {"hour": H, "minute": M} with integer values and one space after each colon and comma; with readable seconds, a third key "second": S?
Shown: {"hour": 1, "minute": 0}
